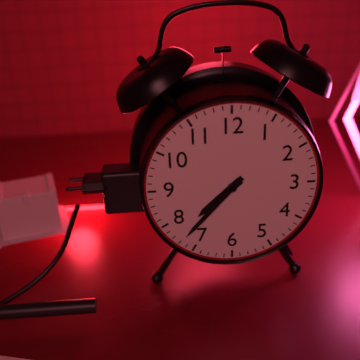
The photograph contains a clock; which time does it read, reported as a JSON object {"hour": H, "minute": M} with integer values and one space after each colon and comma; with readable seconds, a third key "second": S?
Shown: {"hour": 7, "minute": 37}
